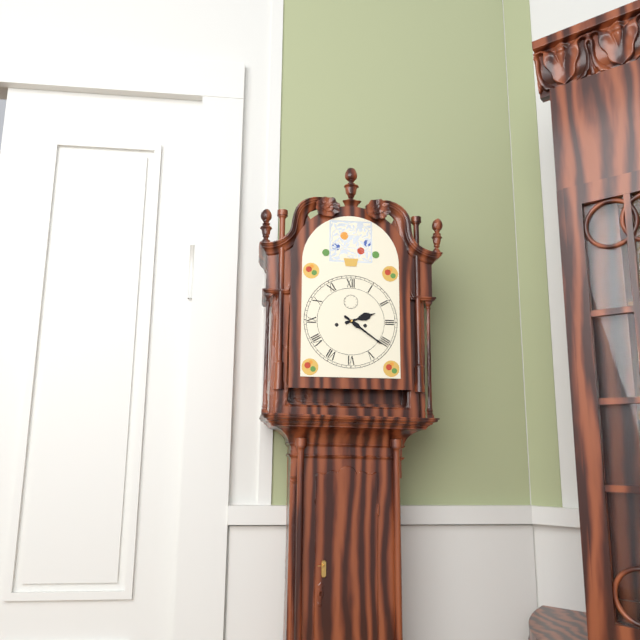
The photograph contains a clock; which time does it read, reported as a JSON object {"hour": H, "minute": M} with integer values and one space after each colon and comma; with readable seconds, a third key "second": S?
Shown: {"hour": 2, "minute": 21}
